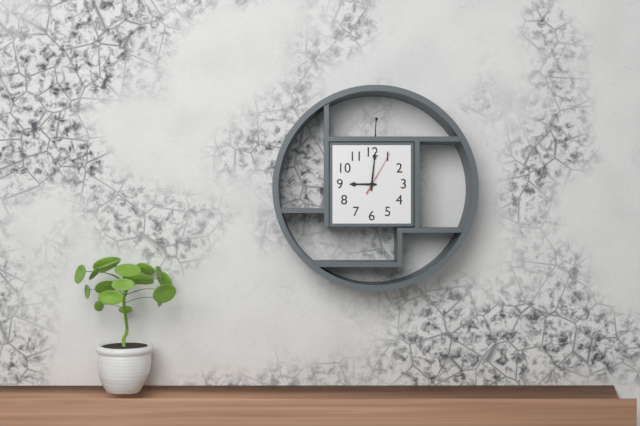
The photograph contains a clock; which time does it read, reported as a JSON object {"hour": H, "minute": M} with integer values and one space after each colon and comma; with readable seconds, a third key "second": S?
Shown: {"hour": 9, "minute": 1}
